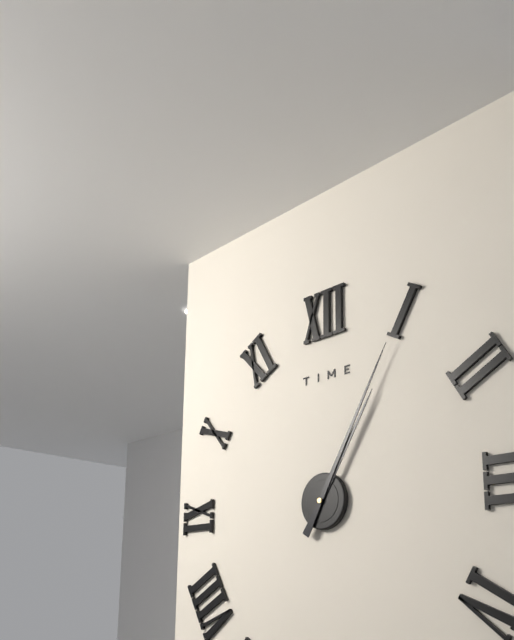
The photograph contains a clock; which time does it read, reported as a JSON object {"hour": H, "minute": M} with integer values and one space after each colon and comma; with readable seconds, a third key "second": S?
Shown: {"hour": 1, "minute": 5}
